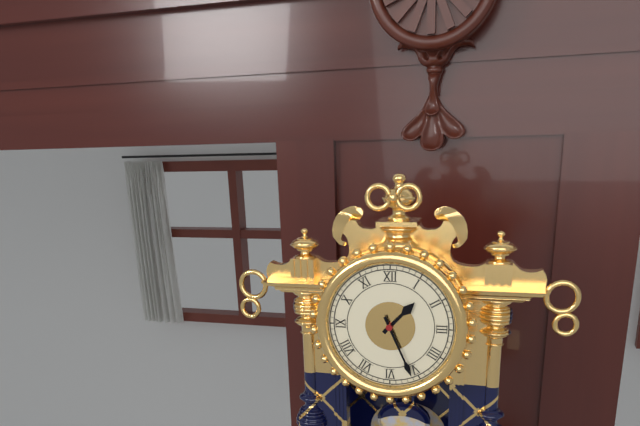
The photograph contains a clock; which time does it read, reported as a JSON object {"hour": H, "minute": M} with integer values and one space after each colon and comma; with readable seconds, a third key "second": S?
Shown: {"hour": 1, "minute": 26}
